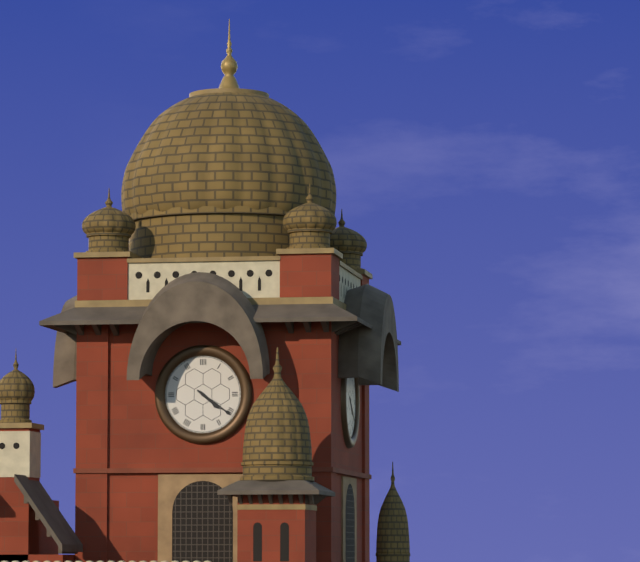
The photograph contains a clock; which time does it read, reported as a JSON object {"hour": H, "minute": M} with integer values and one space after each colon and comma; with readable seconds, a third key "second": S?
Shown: {"hour": 4, "minute": 21}
